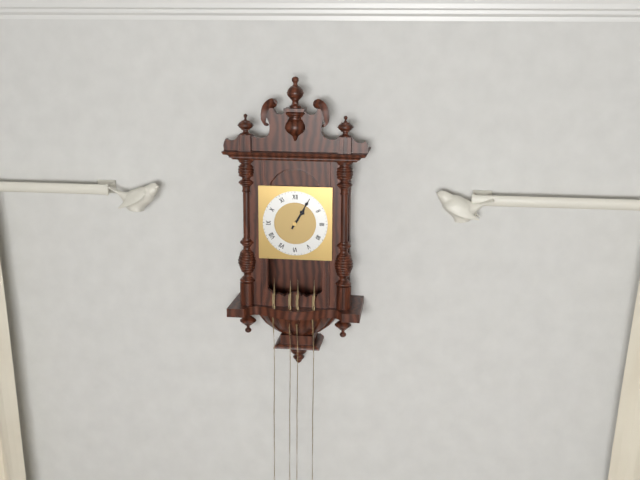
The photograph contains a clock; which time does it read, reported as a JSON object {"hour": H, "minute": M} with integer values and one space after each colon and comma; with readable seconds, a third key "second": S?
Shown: {"hour": 1, "minute": 5}
